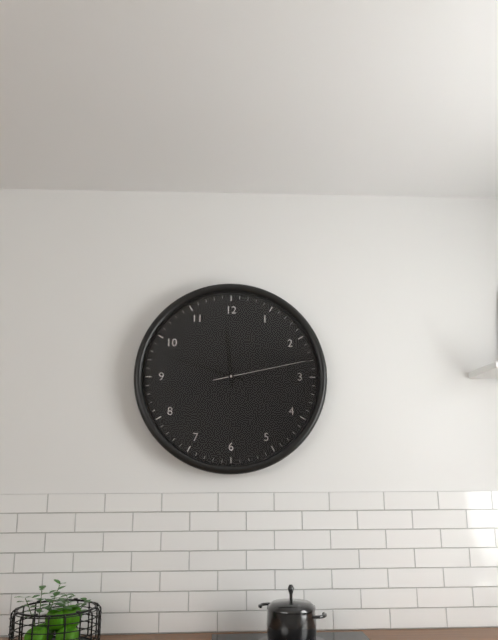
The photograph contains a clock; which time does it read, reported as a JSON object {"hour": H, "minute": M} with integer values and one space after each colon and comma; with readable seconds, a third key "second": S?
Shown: {"hour": 11, "minute": 48, "second": 13}
